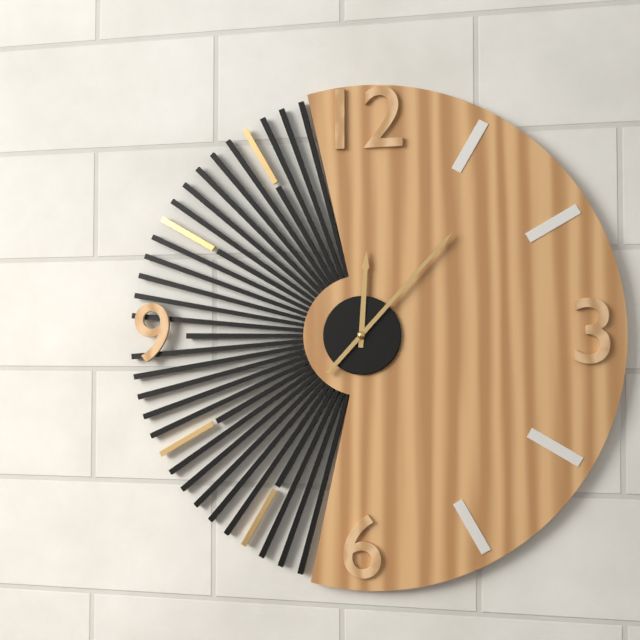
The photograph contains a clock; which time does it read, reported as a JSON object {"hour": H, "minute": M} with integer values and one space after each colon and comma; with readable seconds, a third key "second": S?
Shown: {"hour": 12, "minute": 7}
